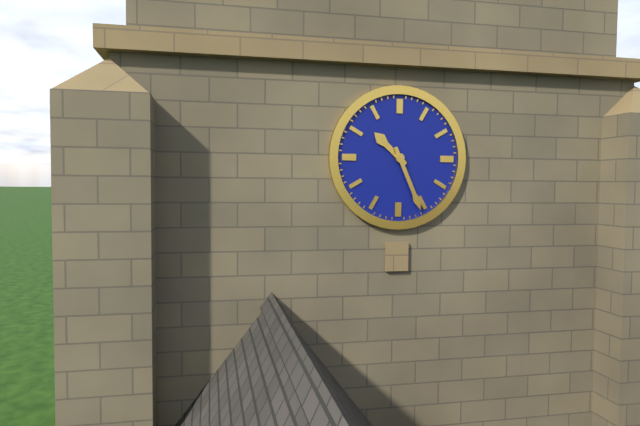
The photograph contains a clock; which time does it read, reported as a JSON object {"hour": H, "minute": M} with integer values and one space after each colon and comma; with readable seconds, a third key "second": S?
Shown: {"hour": 10, "minute": 26}
